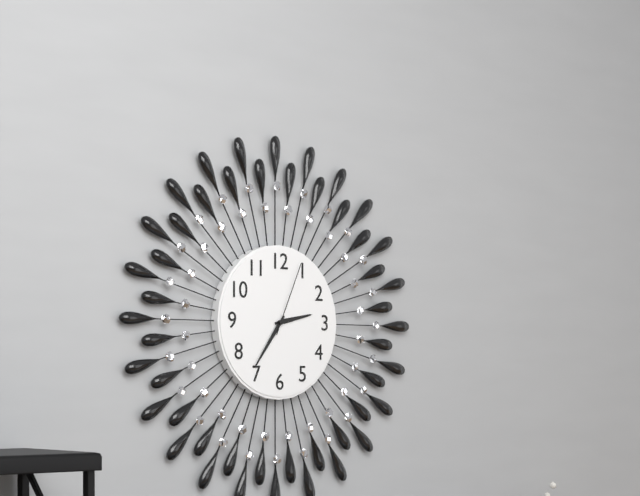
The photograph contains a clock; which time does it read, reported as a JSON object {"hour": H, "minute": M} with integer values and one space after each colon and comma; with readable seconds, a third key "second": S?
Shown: {"hour": 2, "minute": 36, "second": 4}
